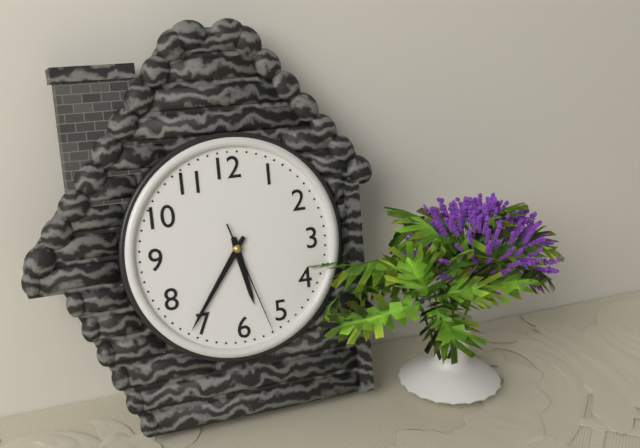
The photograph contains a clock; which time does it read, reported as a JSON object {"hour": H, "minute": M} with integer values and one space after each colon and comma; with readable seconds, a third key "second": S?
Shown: {"hour": 5, "minute": 36, "second": 27}
